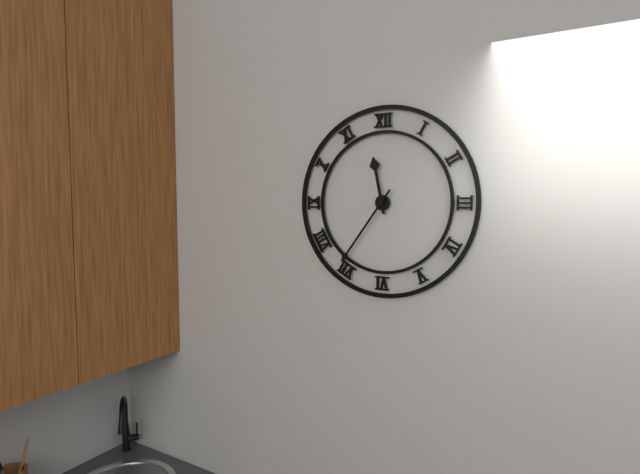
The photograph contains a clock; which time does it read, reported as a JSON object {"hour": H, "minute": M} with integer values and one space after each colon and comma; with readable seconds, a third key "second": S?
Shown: {"hour": 11, "minute": 36}
